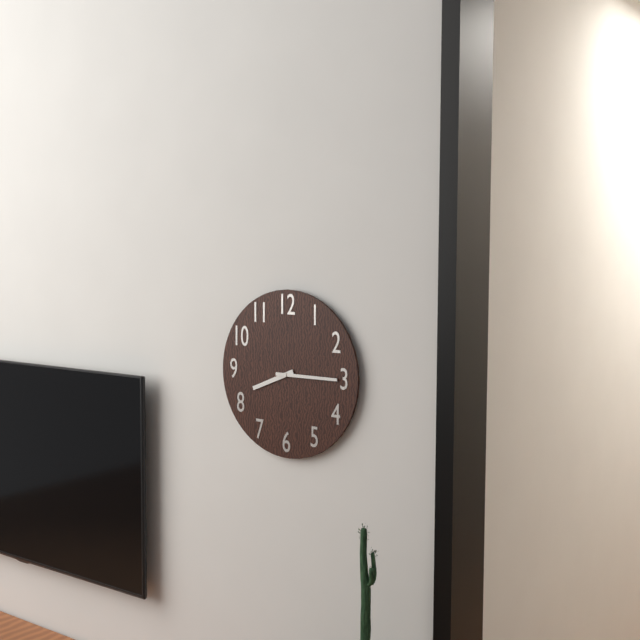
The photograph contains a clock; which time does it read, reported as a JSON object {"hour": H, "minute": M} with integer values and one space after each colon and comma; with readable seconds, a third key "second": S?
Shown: {"hour": 8, "minute": 15}
